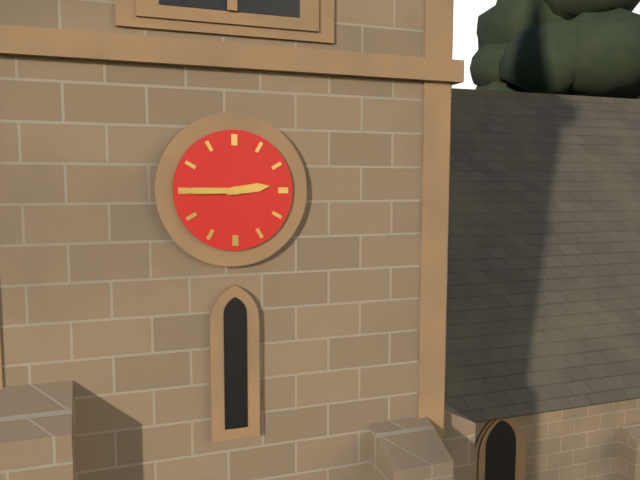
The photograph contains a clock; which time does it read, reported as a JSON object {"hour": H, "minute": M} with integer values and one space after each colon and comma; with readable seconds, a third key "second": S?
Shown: {"hour": 2, "minute": 45}
